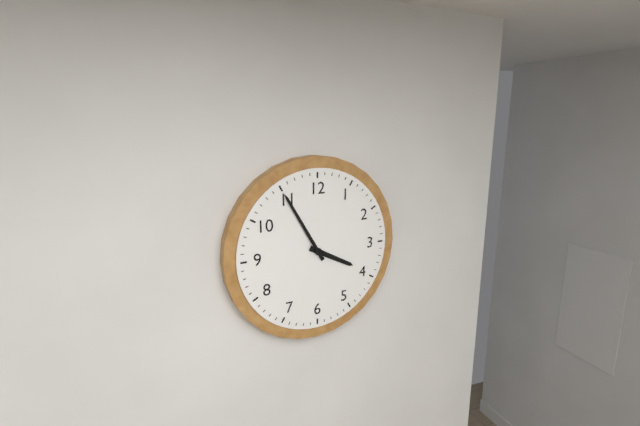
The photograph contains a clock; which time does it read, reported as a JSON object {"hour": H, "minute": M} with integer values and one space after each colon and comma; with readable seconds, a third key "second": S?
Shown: {"hour": 3, "minute": 55}
